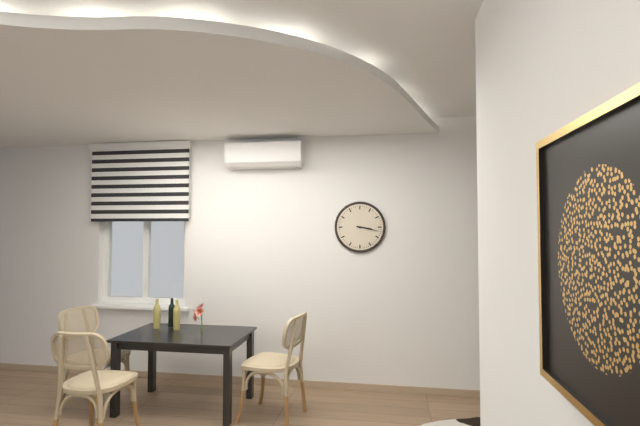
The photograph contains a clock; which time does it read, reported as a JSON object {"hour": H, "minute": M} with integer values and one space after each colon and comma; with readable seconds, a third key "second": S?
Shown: {"hour": 3, "minute": 17}
